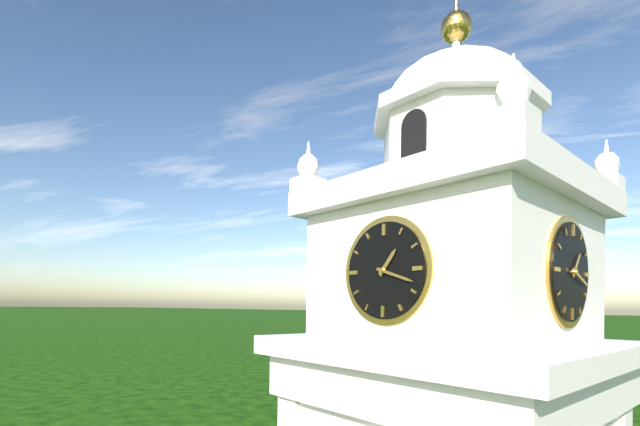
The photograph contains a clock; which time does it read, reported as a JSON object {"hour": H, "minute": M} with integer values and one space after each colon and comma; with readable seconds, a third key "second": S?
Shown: {"hour": 1, "minute": 18}
